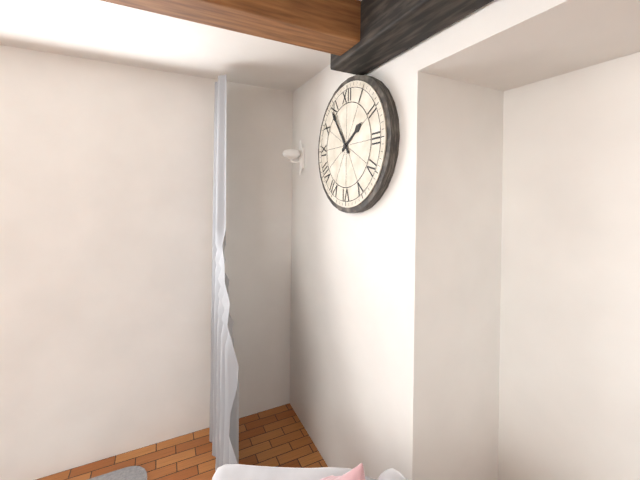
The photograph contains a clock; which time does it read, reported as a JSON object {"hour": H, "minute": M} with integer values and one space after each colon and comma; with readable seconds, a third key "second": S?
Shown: {"hour": 1, "minute": 54}
